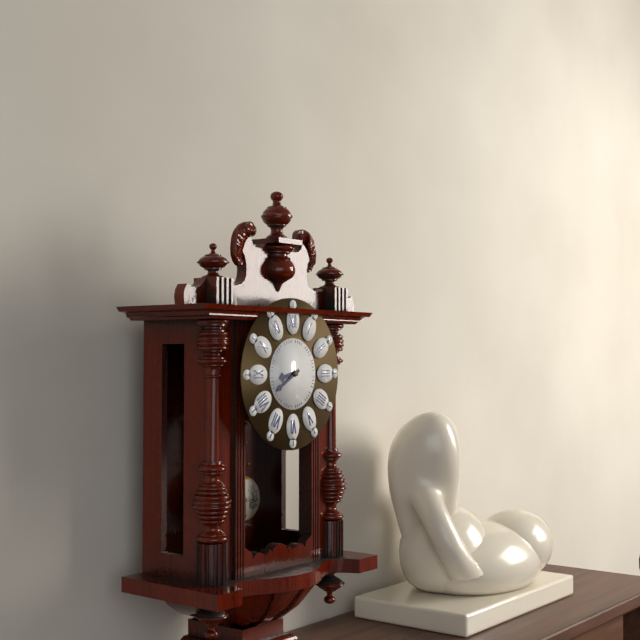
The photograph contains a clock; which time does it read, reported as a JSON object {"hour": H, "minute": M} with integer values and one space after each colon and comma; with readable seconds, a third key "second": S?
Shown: {"hour": 8, "minute": 40}
